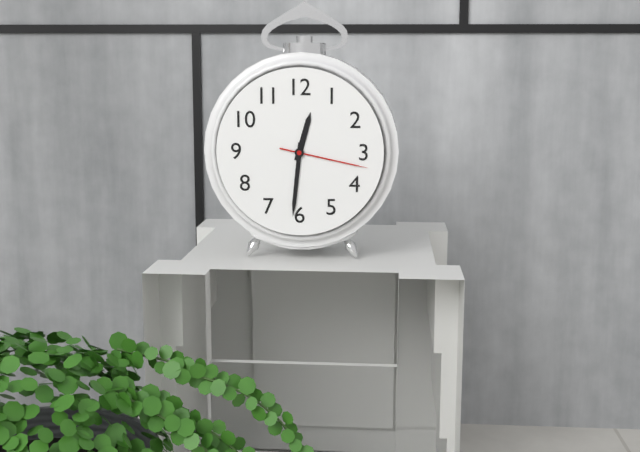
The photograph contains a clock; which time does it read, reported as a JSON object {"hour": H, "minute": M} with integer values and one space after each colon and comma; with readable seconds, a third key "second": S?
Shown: {"hour": 12, "minute": 31, "second": 17}
